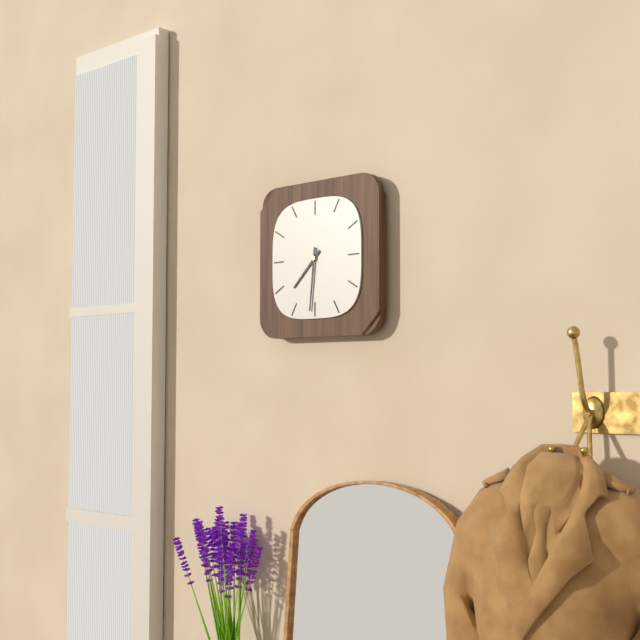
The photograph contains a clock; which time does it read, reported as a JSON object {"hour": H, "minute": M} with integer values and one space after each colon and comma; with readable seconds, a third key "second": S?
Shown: {"hour": 7, "minute": 31}
